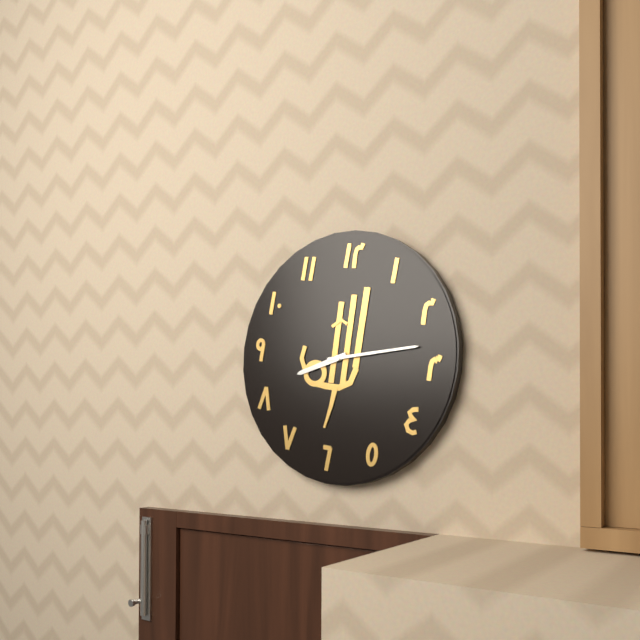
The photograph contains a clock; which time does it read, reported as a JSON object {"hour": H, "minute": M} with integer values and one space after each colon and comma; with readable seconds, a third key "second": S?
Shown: {"hour": 8, "minute": 13}
